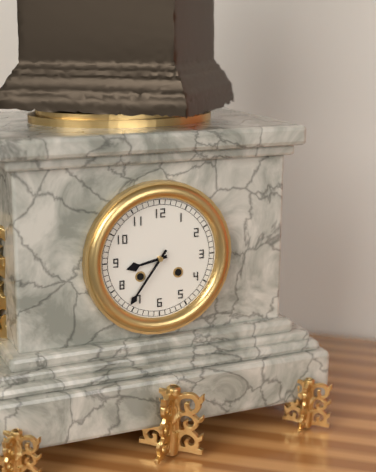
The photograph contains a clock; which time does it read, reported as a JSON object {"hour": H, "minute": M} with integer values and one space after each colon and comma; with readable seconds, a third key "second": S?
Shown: {"hour": 8, "minute": 36}
